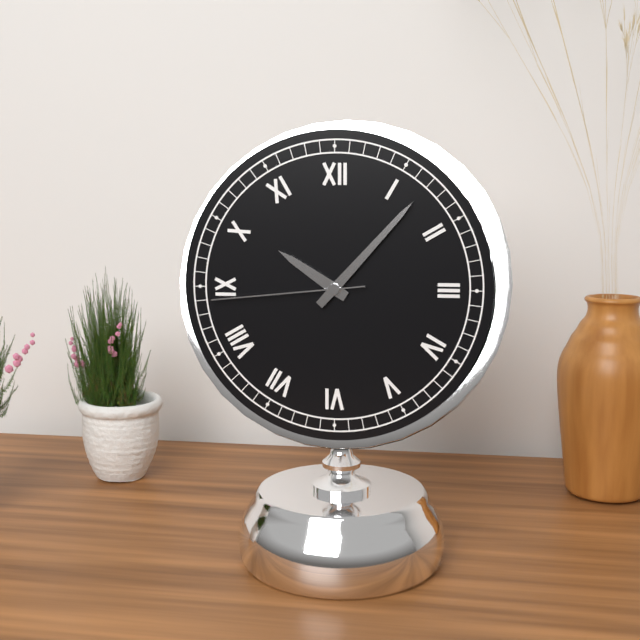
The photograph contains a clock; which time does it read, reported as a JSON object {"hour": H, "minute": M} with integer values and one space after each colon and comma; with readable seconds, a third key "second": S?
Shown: {"hour": 10, "minute": 7, "second": 44}
